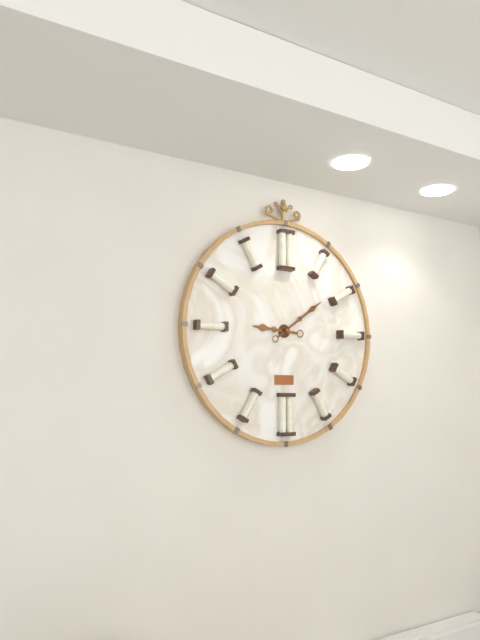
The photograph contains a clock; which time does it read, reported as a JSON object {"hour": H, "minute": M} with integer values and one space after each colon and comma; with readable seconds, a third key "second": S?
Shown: {"hour": 9, "minute": 9}
